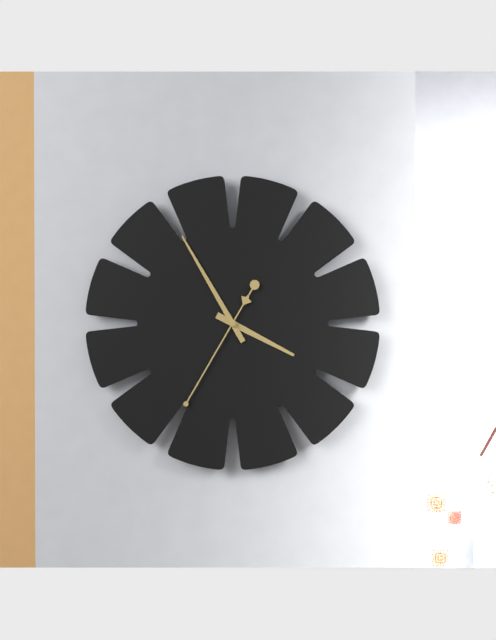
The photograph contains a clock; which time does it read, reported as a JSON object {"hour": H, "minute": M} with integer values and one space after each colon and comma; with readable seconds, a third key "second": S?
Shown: {"hour": 3, "minute": 55, "second": 35}
